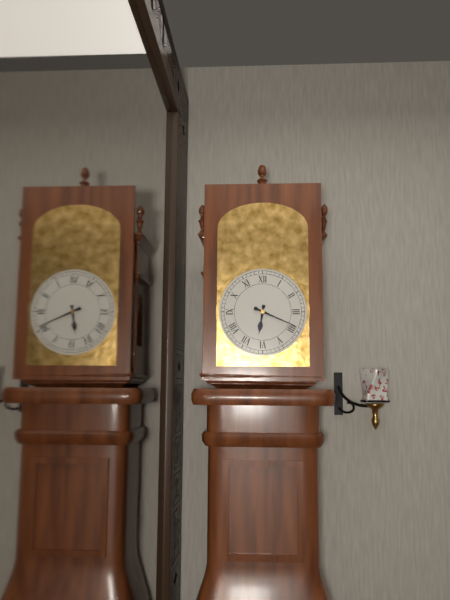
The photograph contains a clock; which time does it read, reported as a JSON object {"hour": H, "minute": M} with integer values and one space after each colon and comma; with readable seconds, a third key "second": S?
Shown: {"hour": 6, "minute": 19}
